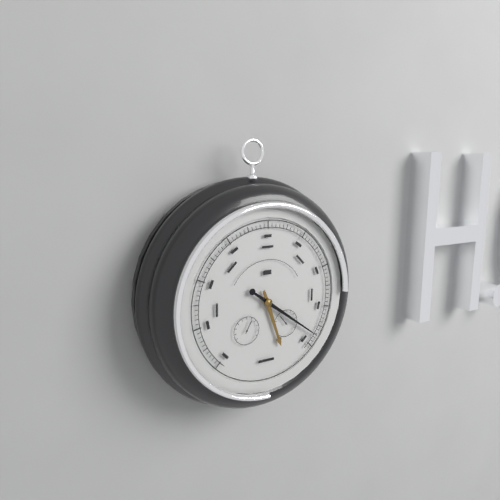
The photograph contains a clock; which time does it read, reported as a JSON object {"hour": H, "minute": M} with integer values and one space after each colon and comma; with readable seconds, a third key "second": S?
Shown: {"hour": 5, "minute": 21}
